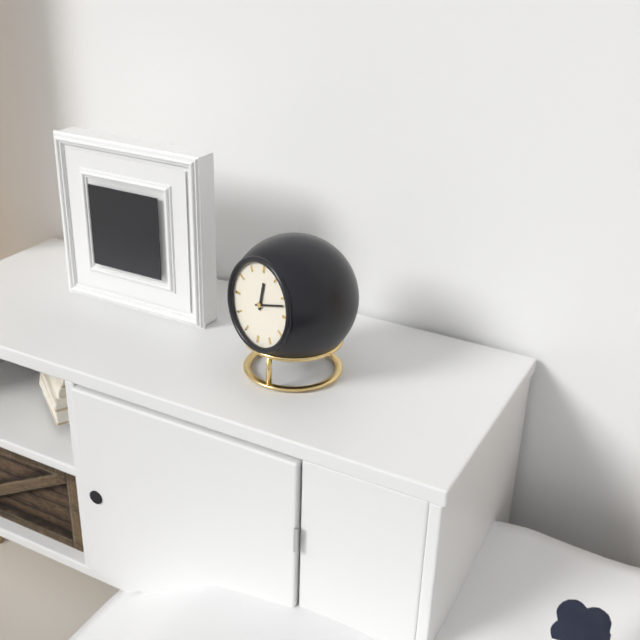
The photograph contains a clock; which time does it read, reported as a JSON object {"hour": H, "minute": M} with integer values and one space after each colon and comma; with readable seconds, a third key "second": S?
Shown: {"hour": 12, "minute": 12}
